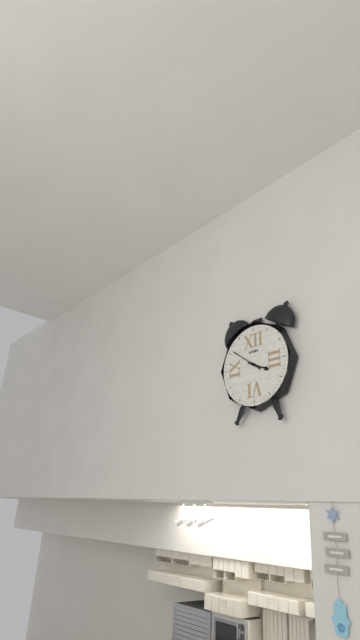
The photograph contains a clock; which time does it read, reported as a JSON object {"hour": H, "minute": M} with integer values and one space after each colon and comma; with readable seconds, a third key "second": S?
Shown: {"hour": 3, "minute": 51}
